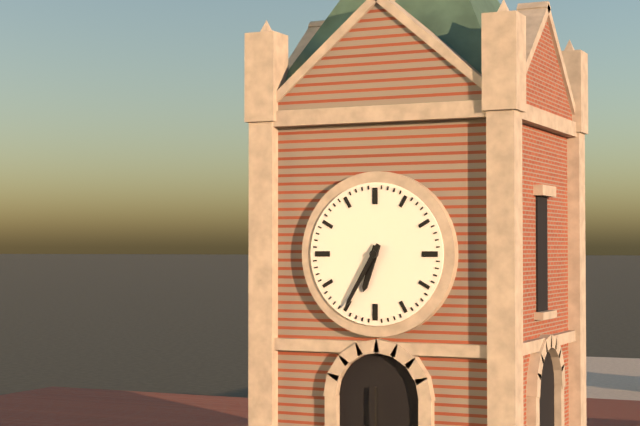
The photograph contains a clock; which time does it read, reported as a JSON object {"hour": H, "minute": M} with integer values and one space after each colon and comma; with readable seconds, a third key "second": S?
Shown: {"hour": 6, "minute": 35}
